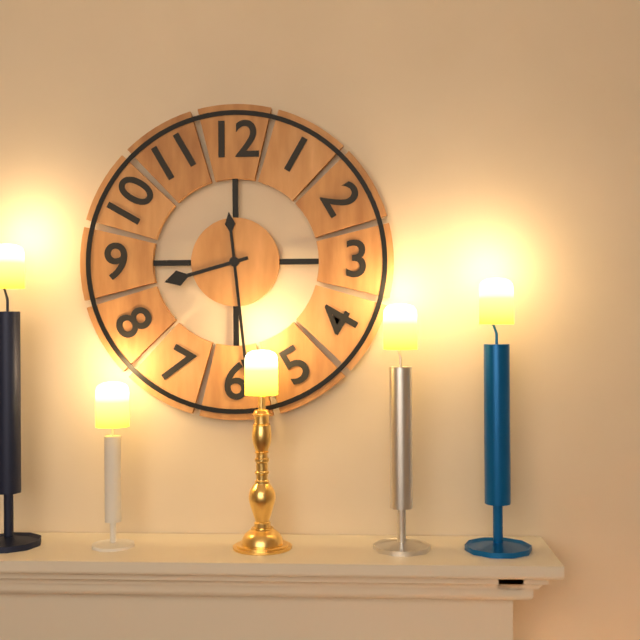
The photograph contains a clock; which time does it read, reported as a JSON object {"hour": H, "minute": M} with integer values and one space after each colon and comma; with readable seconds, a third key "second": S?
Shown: {"hour": 8, "minute": 29}
